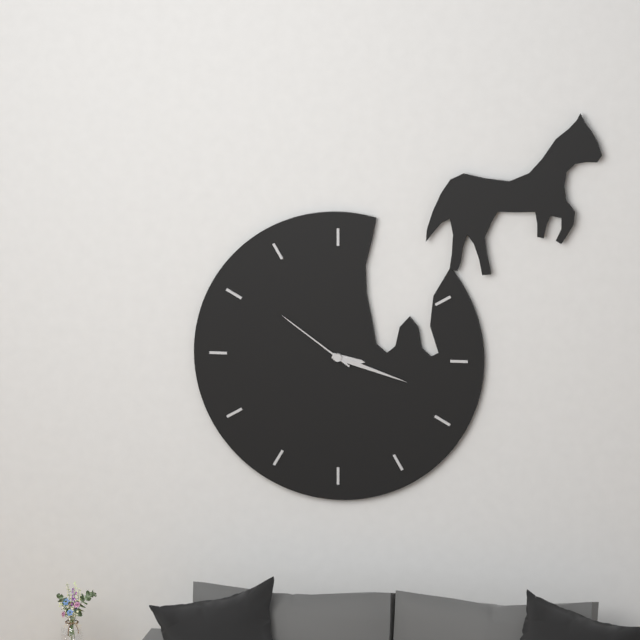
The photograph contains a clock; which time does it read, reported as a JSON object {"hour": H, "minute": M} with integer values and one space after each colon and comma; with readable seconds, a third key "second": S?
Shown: {"hour": 3, "minute": 18, "second": 51}
